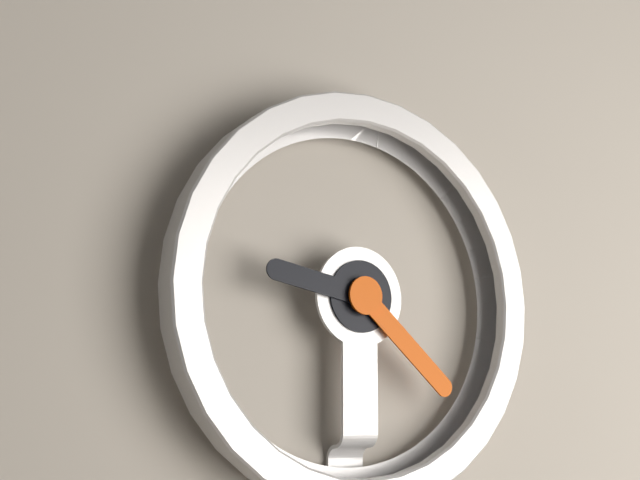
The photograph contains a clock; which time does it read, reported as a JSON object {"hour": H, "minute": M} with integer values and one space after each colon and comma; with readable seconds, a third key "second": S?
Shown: {"hour": 9, "minute": 22}
